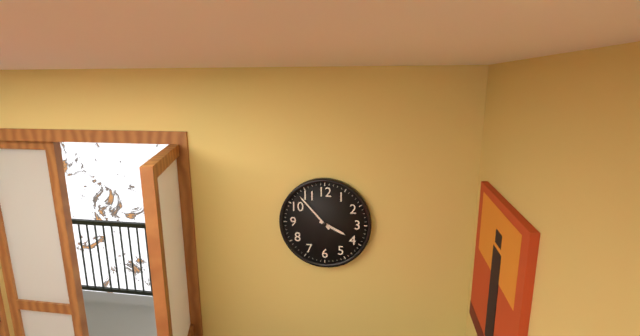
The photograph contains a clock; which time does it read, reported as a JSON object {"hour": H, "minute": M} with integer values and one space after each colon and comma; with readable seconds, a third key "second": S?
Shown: {"hour": 3, "minute": 53}
